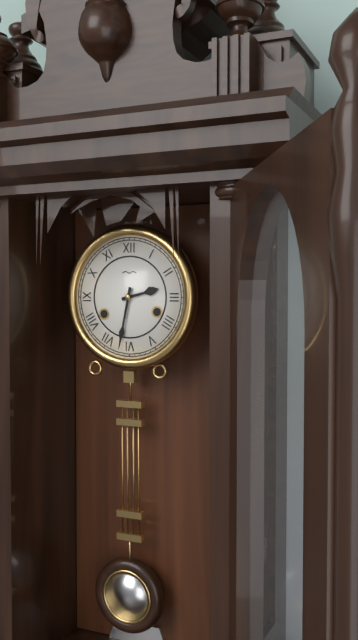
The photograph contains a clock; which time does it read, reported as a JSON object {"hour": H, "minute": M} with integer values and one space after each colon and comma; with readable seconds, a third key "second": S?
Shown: {"hour": 2, "minute": 32}
